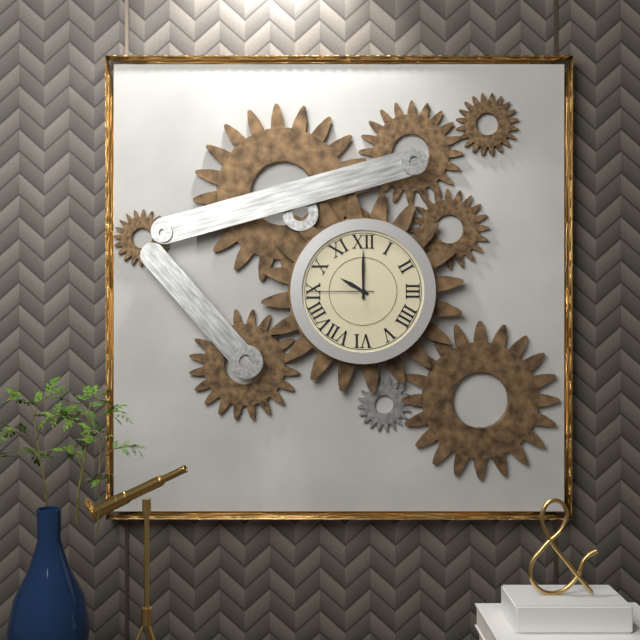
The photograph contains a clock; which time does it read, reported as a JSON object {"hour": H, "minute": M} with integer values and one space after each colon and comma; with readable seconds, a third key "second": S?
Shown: {"hour": 10, "minute": 0, "second": 45}
